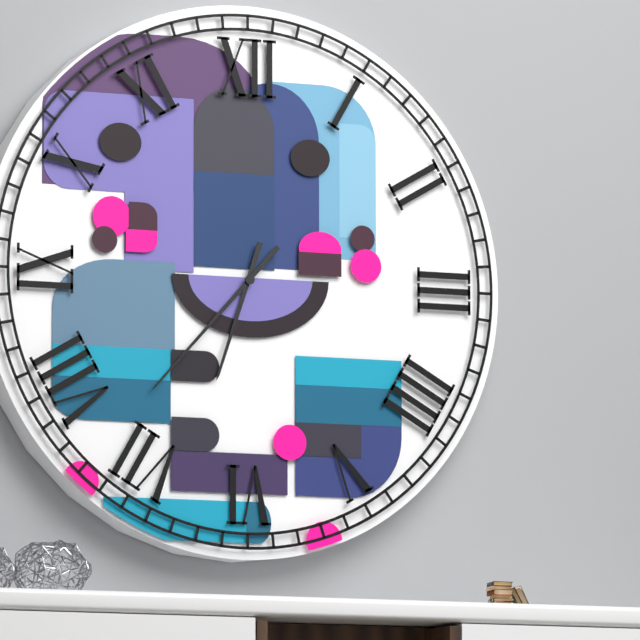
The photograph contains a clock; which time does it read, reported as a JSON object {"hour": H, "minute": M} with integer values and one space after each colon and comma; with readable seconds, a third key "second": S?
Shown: {"hour": 6, "minute": 37}
